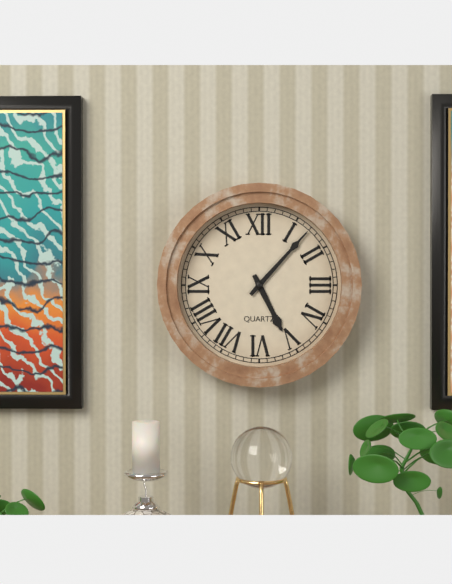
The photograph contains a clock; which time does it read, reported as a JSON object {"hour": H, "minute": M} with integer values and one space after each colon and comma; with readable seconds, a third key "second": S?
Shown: {"hour": 5, "minute": 7}
